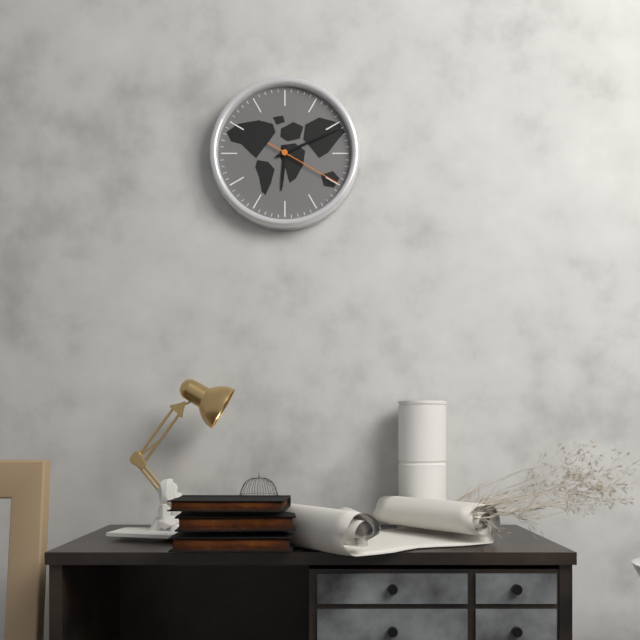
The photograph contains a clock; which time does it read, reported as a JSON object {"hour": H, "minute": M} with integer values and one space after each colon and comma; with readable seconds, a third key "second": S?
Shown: {"hour": 6, "minute": 11, "second": 20}
